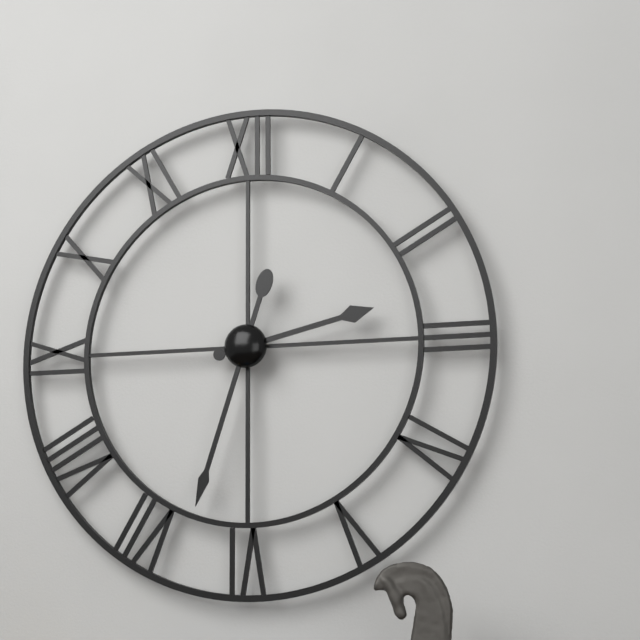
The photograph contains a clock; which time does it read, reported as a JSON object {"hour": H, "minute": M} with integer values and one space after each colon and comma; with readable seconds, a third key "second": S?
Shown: {"hour": 2, "minute": 33}
